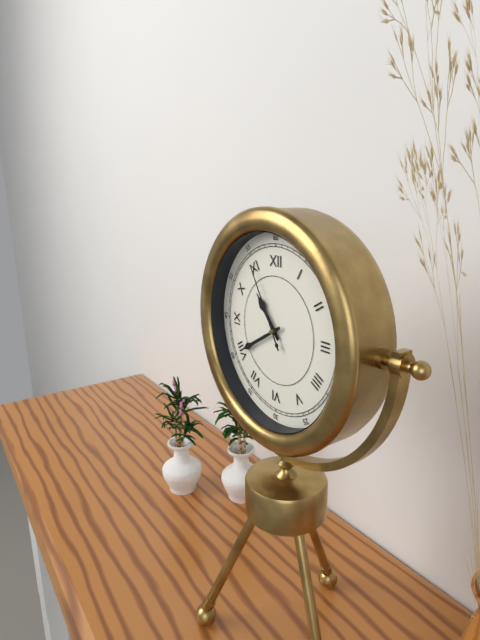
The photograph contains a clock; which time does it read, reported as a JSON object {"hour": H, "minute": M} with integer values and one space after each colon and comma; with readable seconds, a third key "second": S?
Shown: {"hour": 10, "minute": 40, "second": 55}
